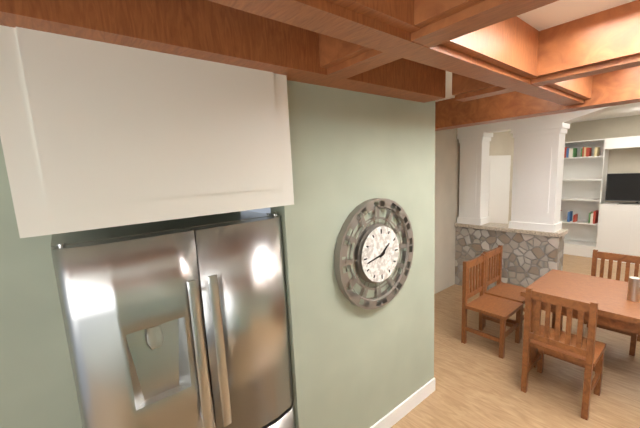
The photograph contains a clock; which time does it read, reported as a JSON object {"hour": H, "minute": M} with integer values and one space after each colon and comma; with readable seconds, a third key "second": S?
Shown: {"hour": 1, "minute": 43}
